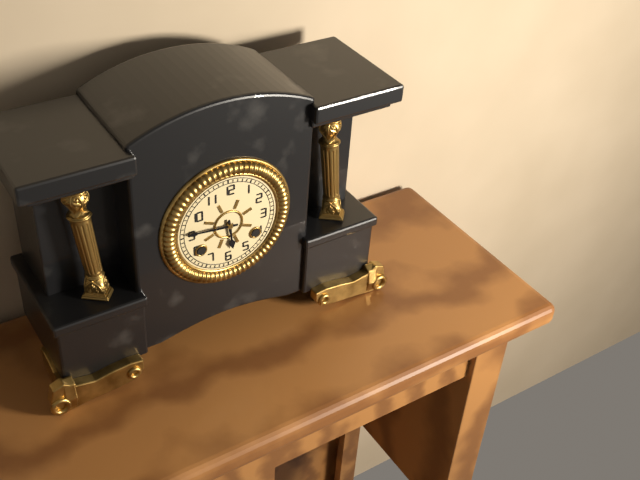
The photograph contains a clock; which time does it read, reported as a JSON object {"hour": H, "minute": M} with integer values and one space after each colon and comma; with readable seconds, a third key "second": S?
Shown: {"hour": 5, "minute": 46}
